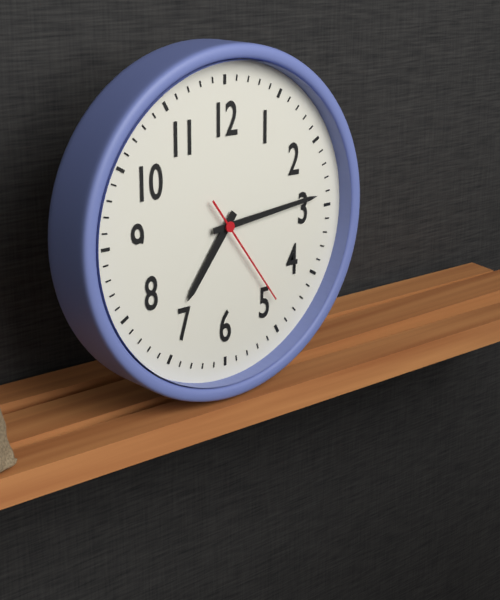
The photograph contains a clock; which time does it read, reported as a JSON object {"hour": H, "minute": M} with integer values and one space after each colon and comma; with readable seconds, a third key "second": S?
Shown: {"hour": 7, "minute": 14, "second": 24}
